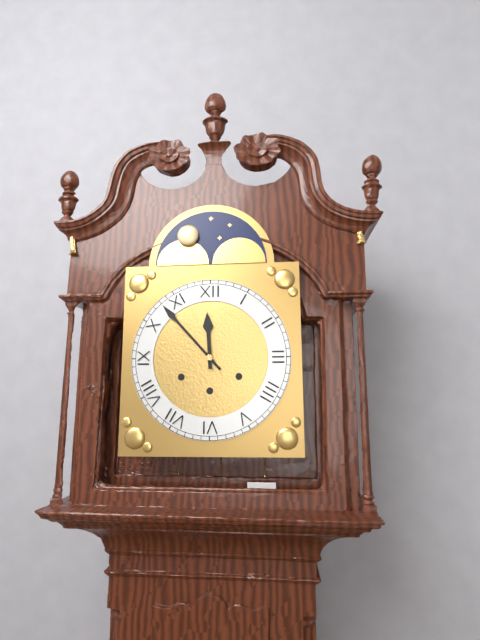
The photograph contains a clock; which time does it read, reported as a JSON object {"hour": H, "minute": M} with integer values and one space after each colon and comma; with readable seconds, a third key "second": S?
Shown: {"hour": 11, "minute": 53}
